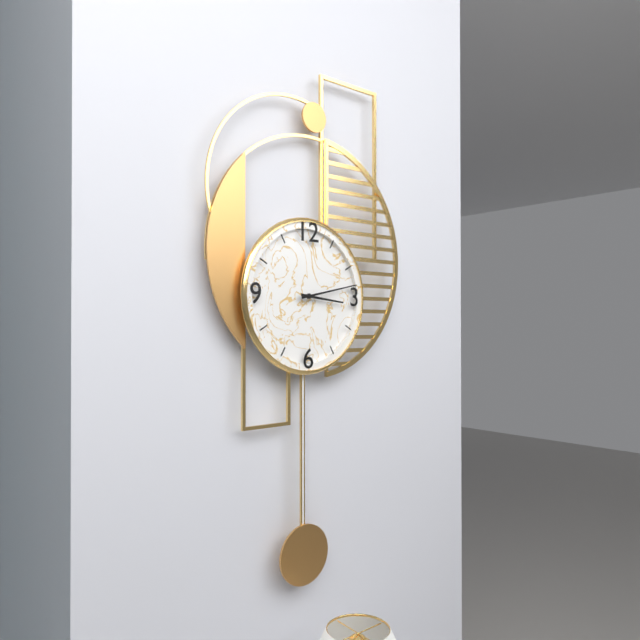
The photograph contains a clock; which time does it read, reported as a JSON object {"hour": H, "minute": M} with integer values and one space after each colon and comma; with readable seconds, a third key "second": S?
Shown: {"hour": 3, "minute": 13}
